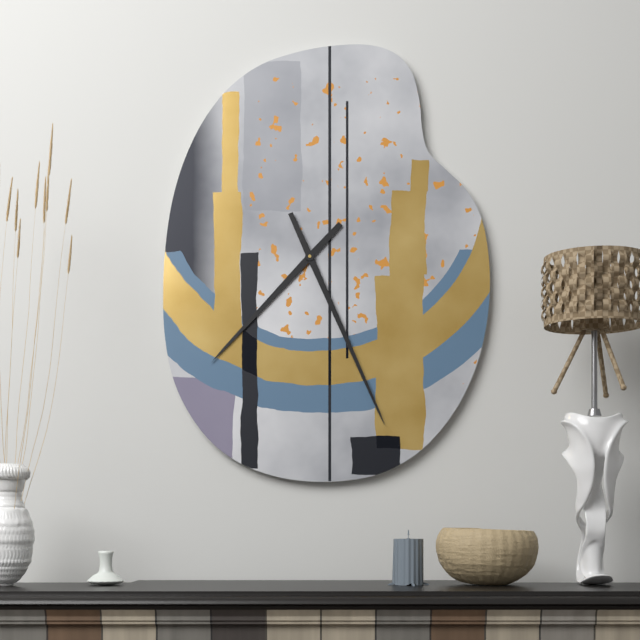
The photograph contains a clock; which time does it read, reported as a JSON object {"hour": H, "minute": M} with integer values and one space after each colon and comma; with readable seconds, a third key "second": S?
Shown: {"hour": 7, "minute": 26}
